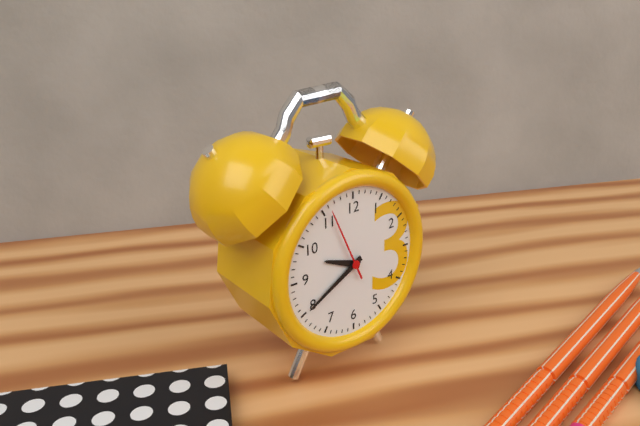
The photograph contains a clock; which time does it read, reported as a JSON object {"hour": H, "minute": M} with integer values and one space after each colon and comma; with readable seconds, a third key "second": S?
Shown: {"hour": 9, "minute": 40, "second": 56}
